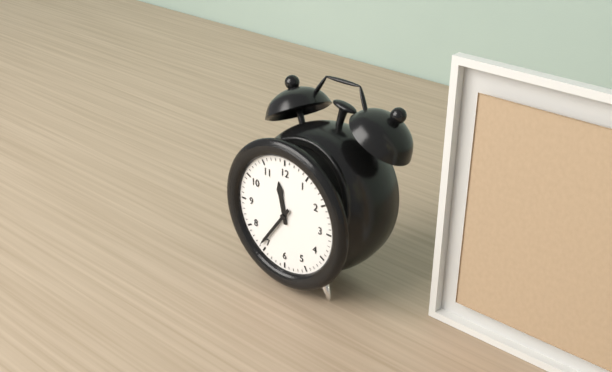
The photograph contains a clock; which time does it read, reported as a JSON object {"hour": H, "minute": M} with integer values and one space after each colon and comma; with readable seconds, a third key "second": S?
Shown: {"hour": 11, "minute": 36}
